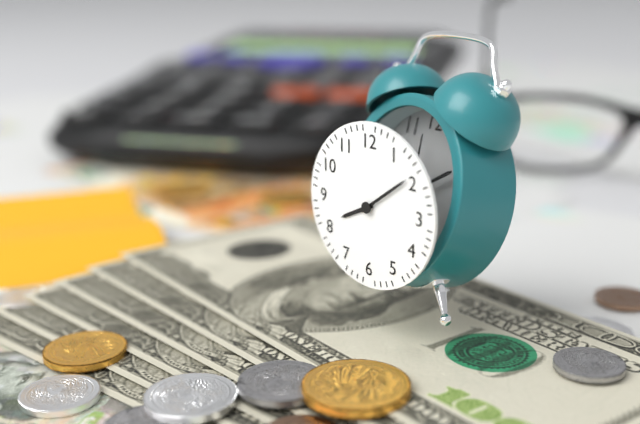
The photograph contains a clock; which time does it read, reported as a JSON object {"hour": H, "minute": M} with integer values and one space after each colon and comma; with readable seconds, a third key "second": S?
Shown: {"hour": 8, "minute": 9}
